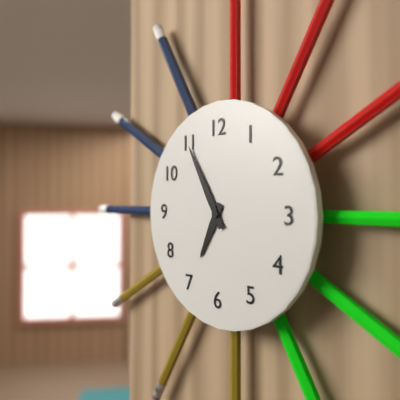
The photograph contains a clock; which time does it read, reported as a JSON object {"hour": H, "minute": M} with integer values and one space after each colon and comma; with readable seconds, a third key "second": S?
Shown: {"hour": 6, "minute": 55}
